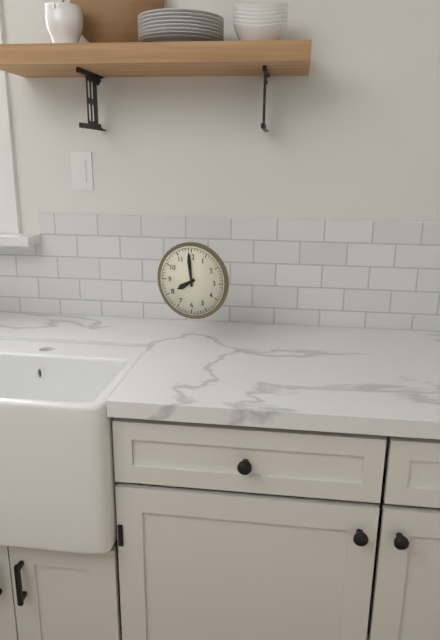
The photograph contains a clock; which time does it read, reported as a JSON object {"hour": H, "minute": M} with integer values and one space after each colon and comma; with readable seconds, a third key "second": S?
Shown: {"hour": 7, "minute": 59}
